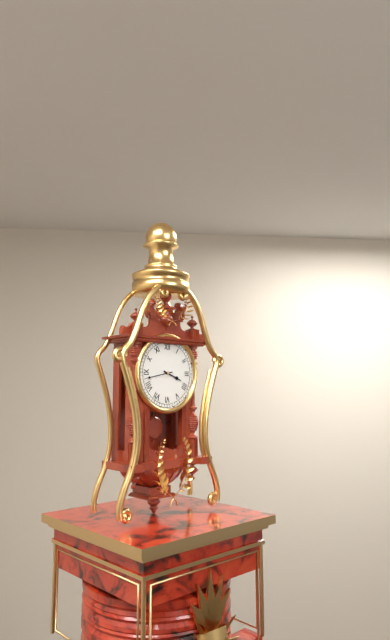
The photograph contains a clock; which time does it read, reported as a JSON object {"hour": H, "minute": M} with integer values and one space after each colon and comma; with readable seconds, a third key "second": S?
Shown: {"hour": 3, "minute": 43}
